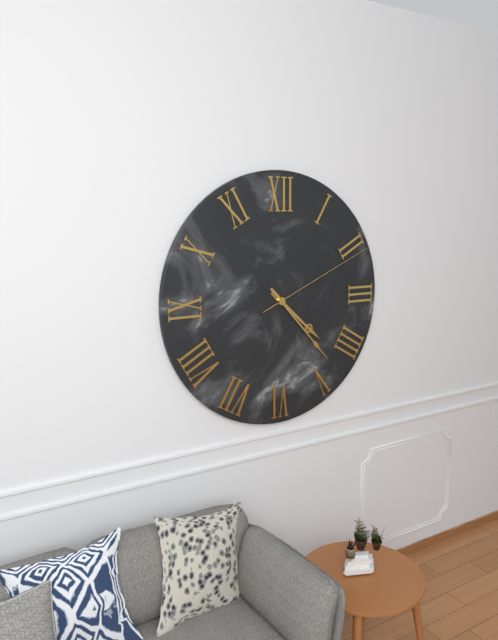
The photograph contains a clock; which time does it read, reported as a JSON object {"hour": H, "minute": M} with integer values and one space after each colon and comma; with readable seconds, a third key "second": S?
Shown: {"hour": 4, "minute": 23, "second": 11}
